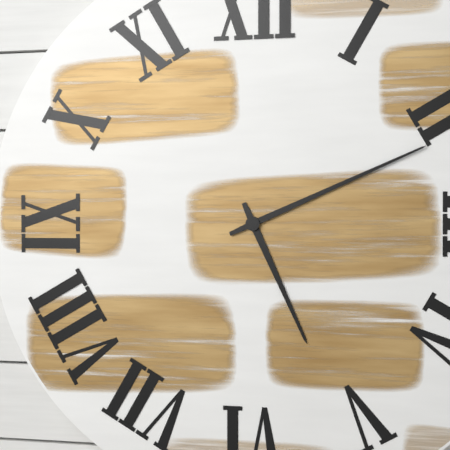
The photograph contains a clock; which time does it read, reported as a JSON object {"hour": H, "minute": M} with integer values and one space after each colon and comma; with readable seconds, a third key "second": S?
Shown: {"hour": 5, "minute": 11}
